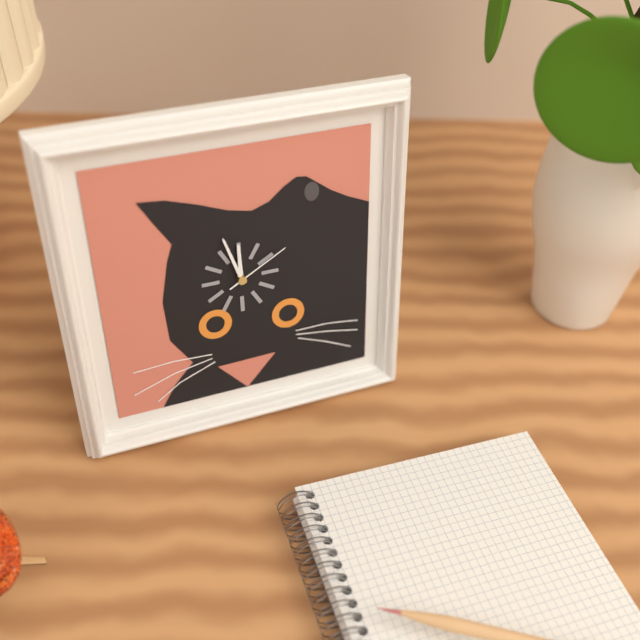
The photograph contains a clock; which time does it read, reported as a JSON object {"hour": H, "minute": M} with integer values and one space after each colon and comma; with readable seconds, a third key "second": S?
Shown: {"hour": 11, "minute": 57, "second": 10}
